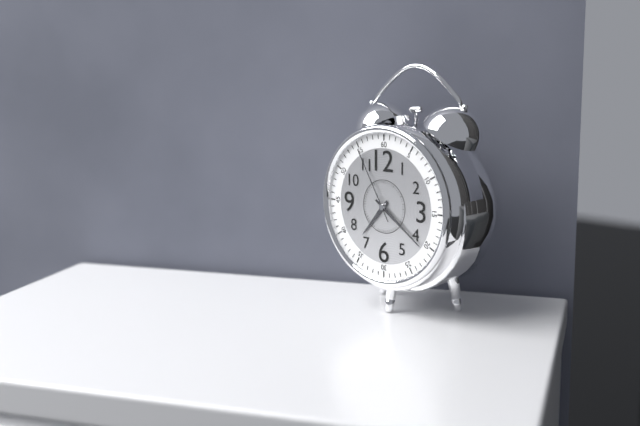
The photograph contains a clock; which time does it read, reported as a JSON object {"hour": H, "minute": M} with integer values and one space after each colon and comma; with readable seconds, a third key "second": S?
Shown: {"hour": 7, "minute": 21, "second": 55}
